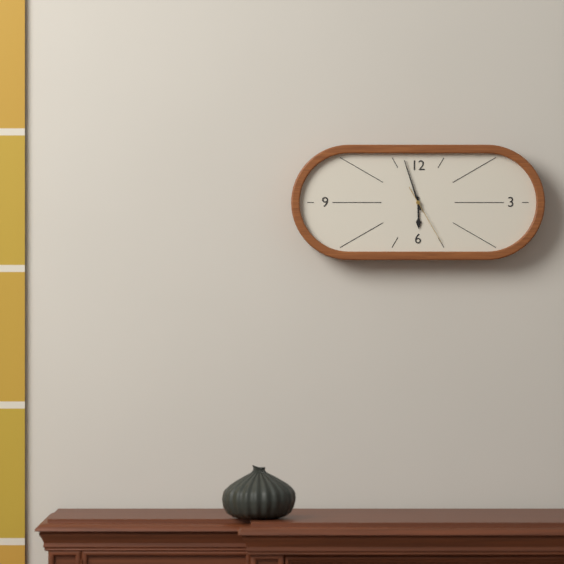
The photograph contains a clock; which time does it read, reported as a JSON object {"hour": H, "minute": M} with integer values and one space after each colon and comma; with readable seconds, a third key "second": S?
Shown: {"hour": 5, "minute": 57, "second": 25}
